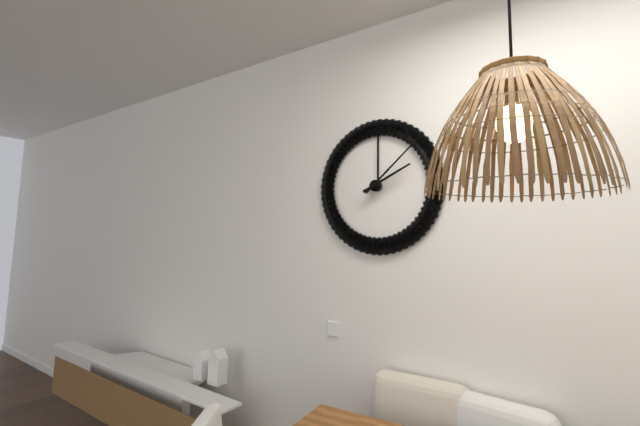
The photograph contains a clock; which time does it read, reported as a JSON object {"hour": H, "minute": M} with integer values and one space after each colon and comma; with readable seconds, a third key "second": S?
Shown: {"hour": 2, "minute": 8}
